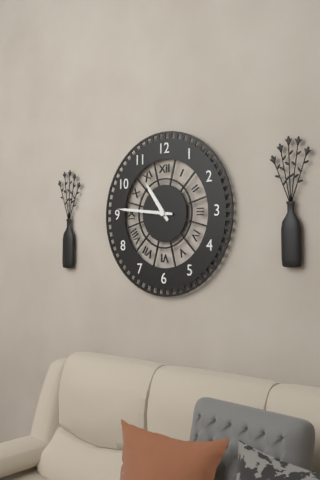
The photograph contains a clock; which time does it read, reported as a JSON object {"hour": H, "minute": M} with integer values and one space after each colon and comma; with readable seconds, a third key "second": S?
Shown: {"hour": 10, "minute": 46}
